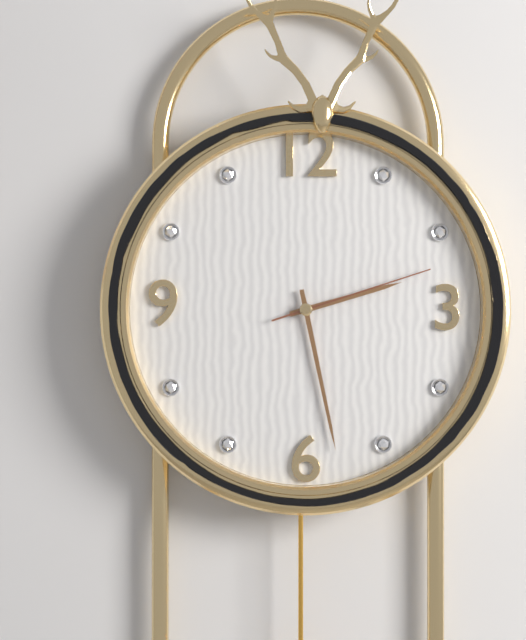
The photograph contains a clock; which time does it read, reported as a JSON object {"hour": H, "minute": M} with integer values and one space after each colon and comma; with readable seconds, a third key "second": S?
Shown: {"hour": 2, "minute": 28, "second": 12}
